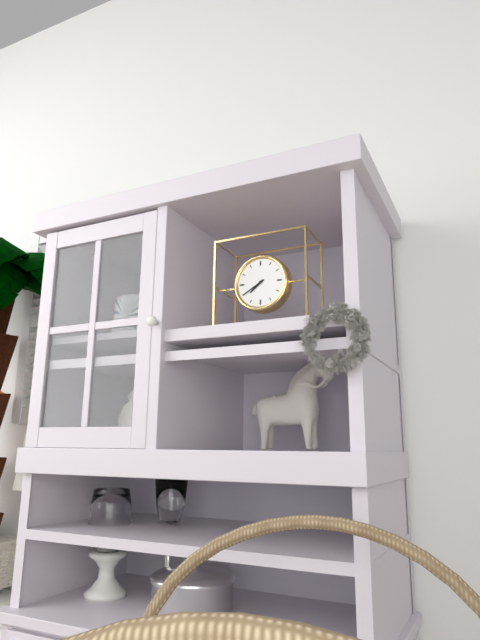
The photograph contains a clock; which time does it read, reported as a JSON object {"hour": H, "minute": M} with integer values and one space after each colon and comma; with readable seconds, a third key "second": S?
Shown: {"hour": 7, "minute": 40}
